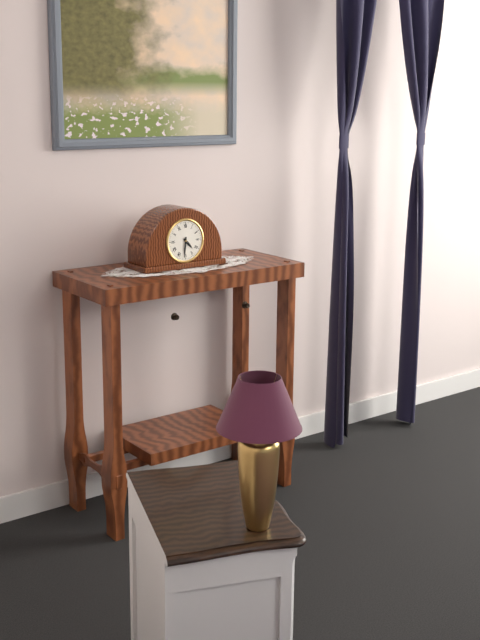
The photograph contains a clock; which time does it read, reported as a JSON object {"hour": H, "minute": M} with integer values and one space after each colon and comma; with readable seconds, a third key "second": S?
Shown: {"hour": 4, "minute": 31}
